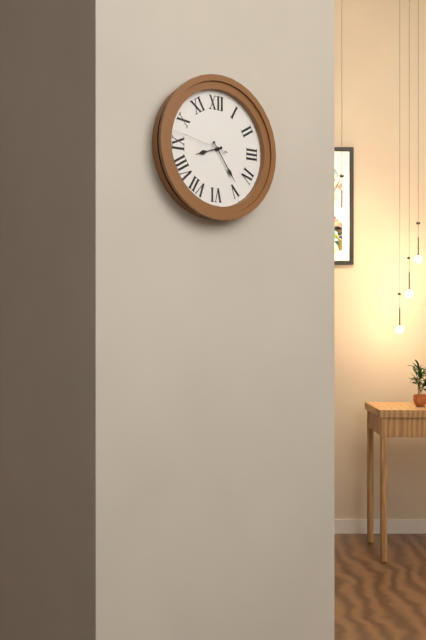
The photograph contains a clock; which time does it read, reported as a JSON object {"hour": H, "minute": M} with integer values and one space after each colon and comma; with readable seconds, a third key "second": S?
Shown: {"hour": 8, "minute": 24, "second": 47}
